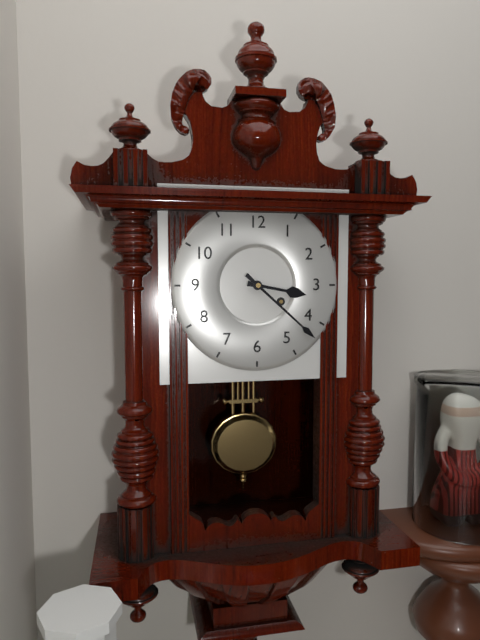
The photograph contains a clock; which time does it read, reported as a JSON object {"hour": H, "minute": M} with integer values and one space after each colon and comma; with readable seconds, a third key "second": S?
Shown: {"hour": 3, "minute": 22}
